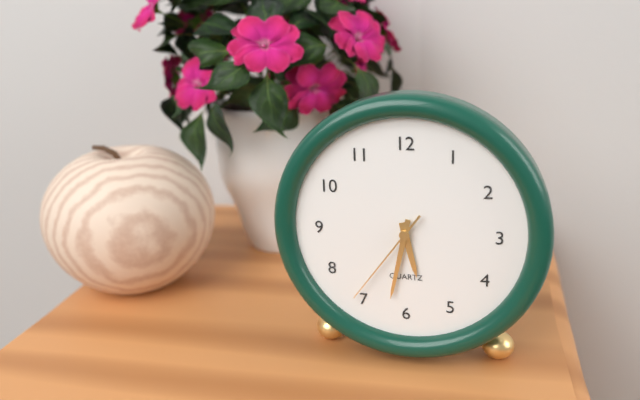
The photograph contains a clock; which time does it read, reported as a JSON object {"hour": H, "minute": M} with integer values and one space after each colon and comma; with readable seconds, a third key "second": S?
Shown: {"hour": 5, "minute": 32, "second": 36}
